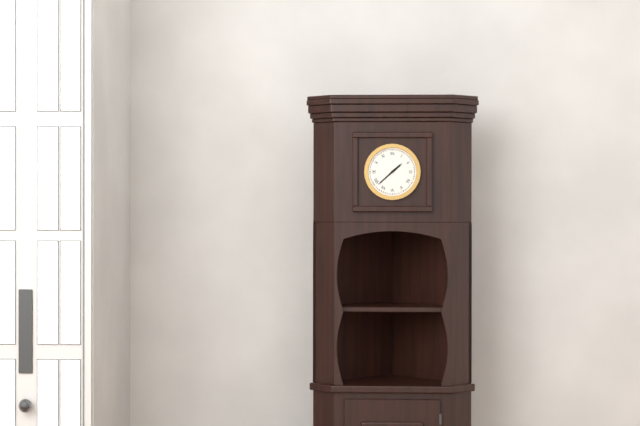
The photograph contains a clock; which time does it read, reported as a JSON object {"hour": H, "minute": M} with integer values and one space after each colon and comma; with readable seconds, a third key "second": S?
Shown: {"hour": 1, "minute": 38}
